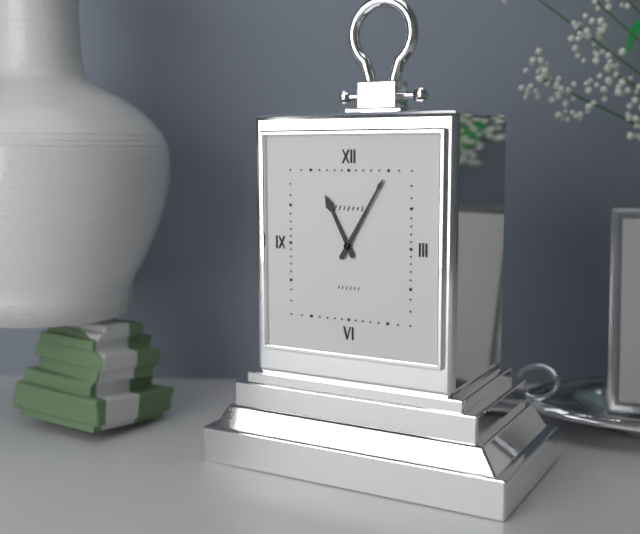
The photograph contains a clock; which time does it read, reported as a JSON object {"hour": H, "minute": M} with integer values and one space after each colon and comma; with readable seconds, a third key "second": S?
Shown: {"hour": 11, "minute": 5}
